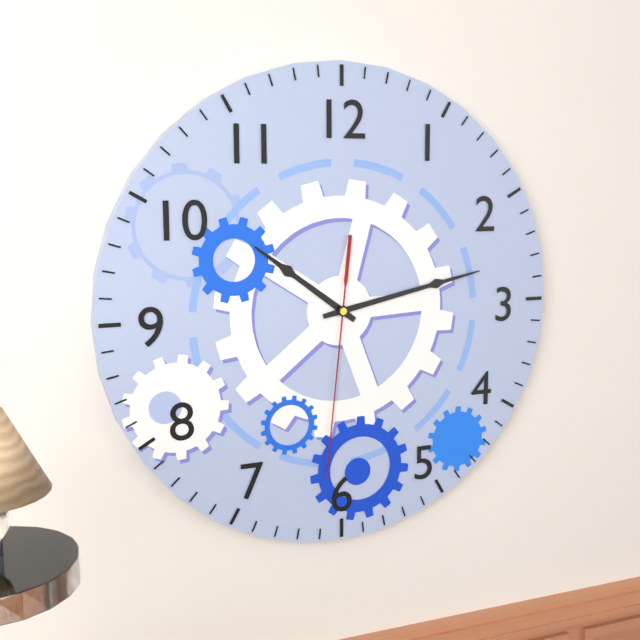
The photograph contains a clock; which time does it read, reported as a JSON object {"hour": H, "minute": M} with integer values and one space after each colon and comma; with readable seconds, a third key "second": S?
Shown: {"hour": 10, "minute": 13, "second": 31}
